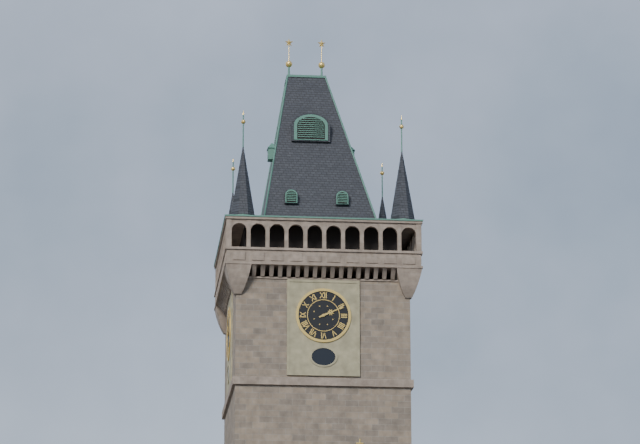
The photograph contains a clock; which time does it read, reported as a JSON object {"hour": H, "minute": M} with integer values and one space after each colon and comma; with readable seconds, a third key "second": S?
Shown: {"hour": 2, "minute": 11}
